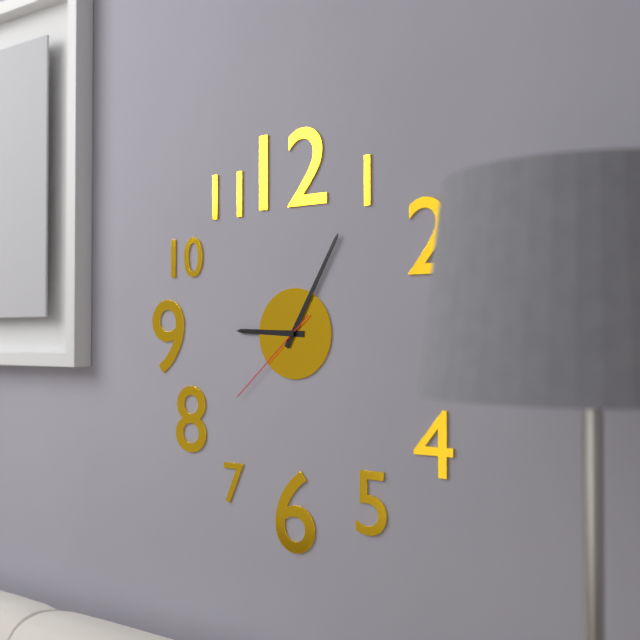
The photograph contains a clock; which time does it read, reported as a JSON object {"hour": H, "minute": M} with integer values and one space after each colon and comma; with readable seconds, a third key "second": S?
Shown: {"hour": 9, "minute": 5, "second": 38}
